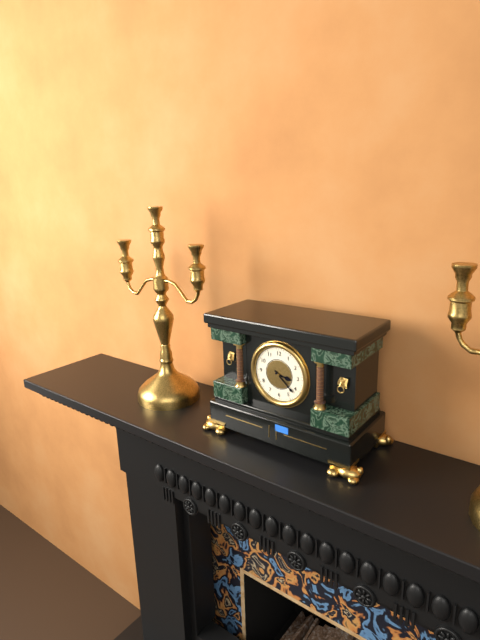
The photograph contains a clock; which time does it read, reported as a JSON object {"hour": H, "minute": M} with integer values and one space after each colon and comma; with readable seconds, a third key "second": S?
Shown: {"hour": 3, "minute": 22}
